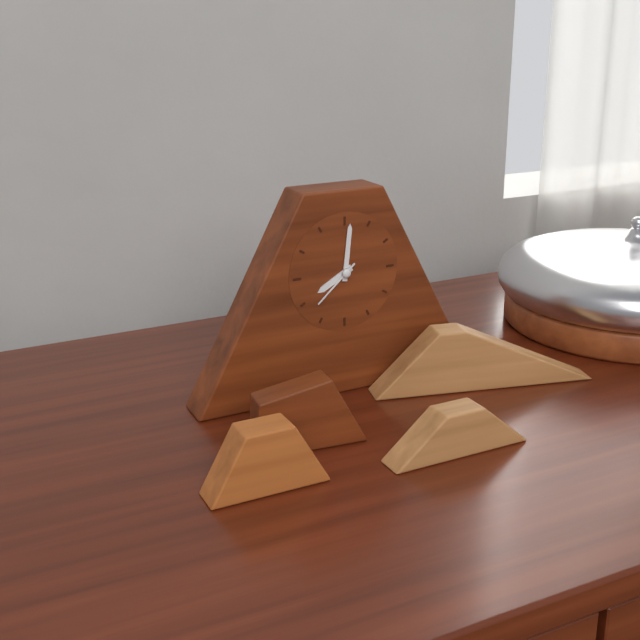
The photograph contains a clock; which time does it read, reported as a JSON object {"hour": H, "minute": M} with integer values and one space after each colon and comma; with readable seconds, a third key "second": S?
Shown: {"hour": 8, "minute": 1, "second": 38}
